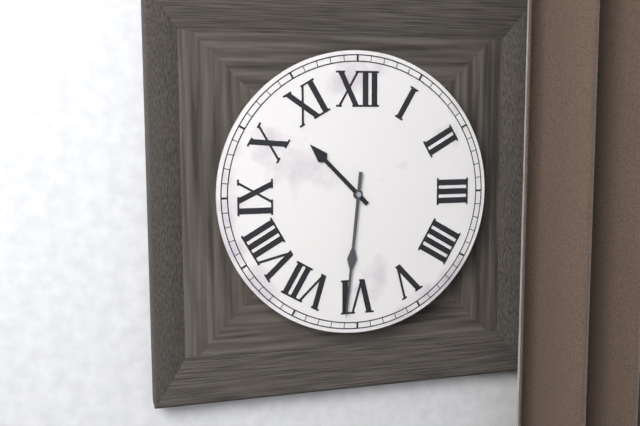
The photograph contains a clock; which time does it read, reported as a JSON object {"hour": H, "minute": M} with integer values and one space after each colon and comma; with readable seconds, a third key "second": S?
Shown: {"hour": 10, "minute": 31}
